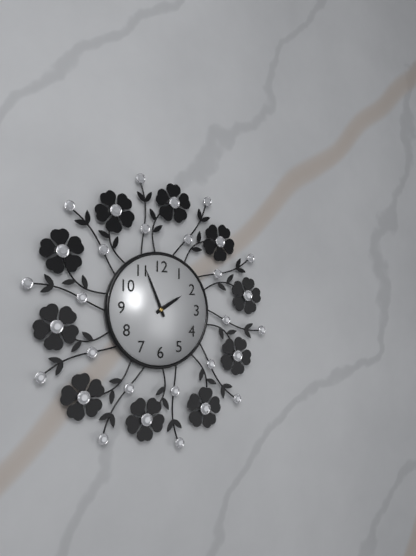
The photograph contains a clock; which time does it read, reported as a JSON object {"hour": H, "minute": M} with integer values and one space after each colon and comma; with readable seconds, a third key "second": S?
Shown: {"hour": 1, "minute": 56}
